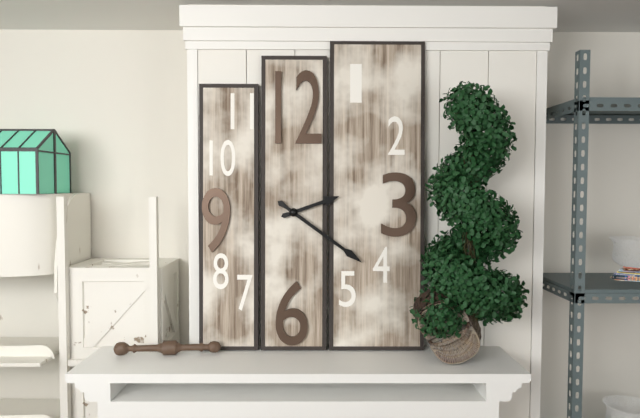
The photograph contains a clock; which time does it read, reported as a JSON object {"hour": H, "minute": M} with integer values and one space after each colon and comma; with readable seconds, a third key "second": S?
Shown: {"hour": 2, "minute": 21}
